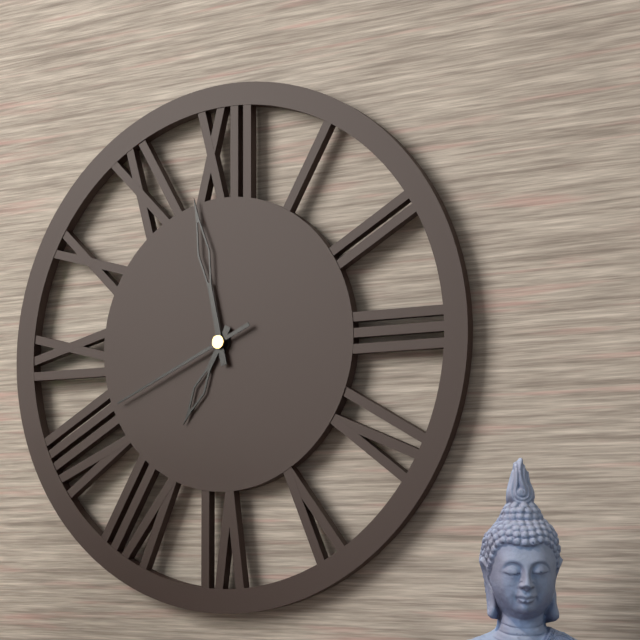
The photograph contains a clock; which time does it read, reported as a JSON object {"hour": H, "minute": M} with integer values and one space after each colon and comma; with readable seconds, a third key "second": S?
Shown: {"hour": 6, "minute": 58, "second": 41}
